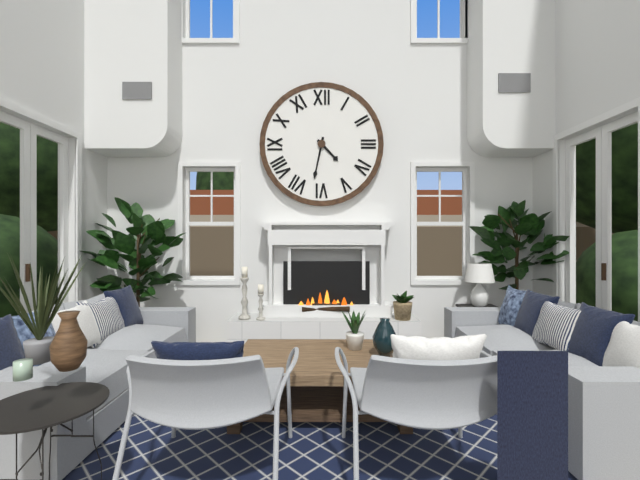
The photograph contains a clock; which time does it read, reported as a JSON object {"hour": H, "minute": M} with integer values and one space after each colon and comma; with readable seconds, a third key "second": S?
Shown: {"hour": 4, "minute": 32}
